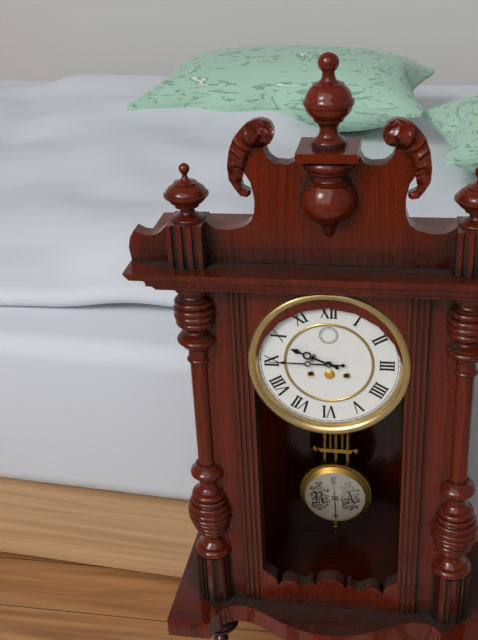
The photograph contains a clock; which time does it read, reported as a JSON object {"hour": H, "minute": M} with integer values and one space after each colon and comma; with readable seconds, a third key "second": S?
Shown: {"hour": 9, "minute": 45}
